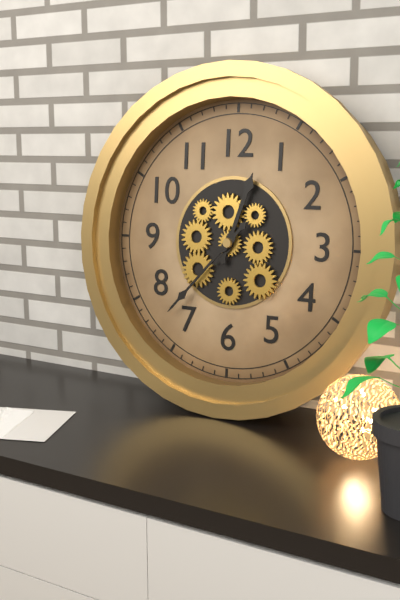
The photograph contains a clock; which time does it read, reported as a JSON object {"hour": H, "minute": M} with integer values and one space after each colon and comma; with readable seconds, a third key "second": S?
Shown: {"hour": 12, "minute": 37}
